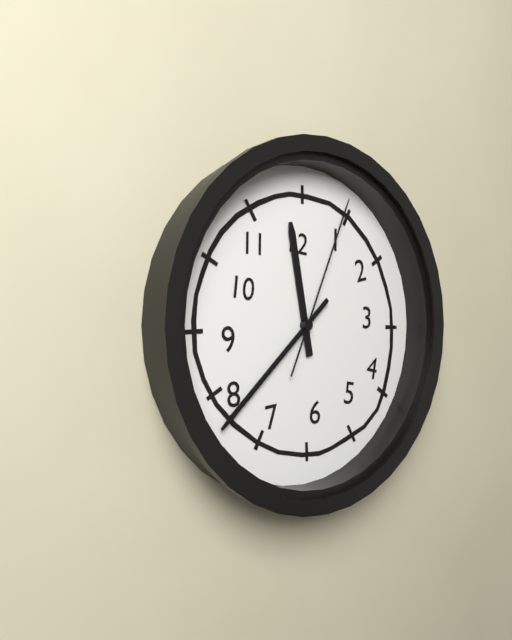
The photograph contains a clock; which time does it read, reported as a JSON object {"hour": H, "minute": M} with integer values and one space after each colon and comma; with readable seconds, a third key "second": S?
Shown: {"hour": 11, "minute": 38, "second": 4}
